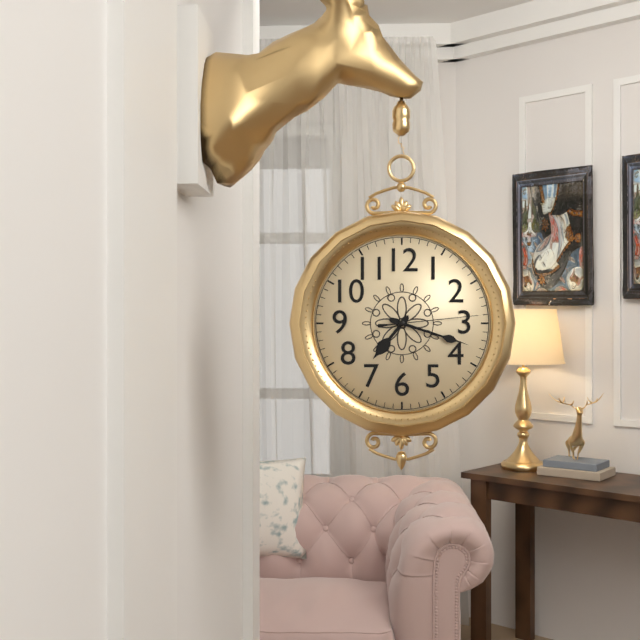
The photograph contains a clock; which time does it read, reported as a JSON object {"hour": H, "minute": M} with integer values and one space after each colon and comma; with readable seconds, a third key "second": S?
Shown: {"hour": 7, "minute": 18, "second": 14}
